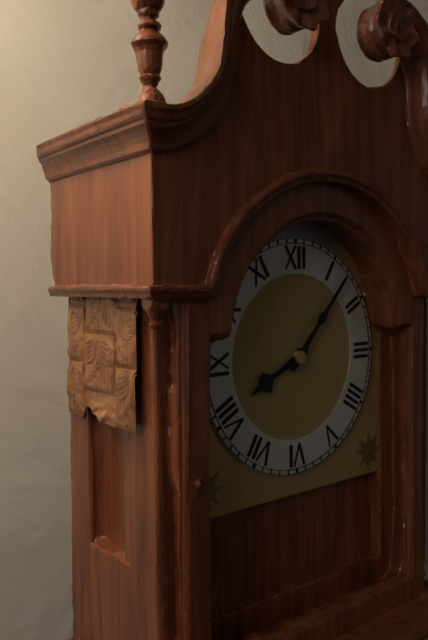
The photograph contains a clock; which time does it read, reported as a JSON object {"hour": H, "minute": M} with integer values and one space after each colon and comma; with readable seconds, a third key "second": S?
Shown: {"hour": 8, "minute": 7}
